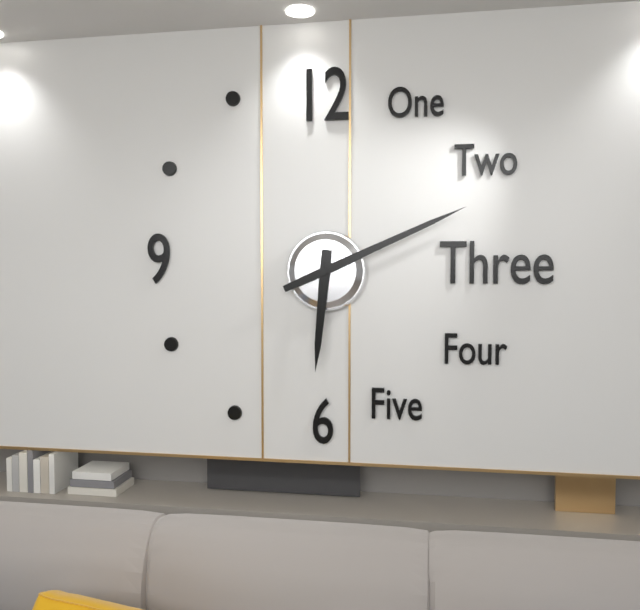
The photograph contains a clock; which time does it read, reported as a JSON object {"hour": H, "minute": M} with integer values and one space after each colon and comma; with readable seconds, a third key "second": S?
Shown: {"hour": 6, "minute": 11}
